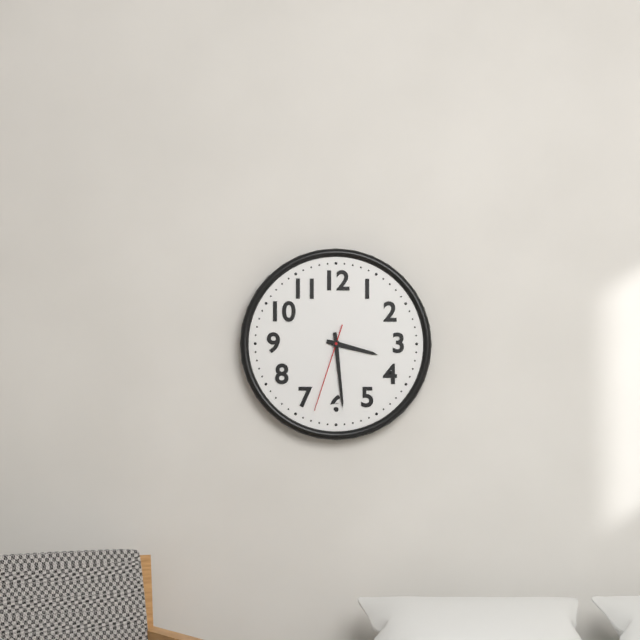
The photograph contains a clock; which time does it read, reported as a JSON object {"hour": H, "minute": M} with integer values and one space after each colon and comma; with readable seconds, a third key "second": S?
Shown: {"hour": 3, "minute": 29, "second": 33}
